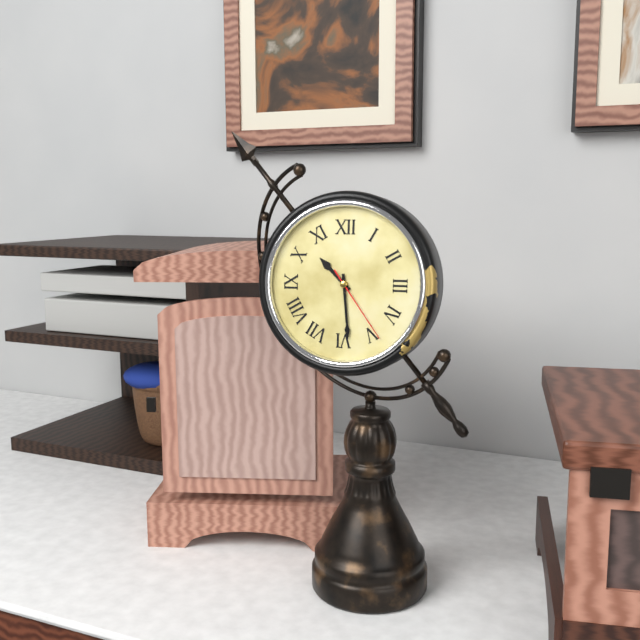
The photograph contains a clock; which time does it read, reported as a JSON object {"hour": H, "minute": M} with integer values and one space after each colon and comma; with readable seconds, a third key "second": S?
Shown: {"hour": 10, "minute": 29, "second": 24}
